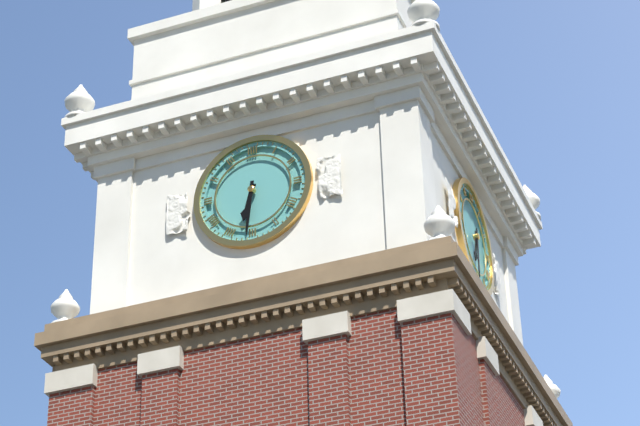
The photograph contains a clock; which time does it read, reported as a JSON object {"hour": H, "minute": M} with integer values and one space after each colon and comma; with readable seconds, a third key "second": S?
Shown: {"hour": 6, "minute": 31}
